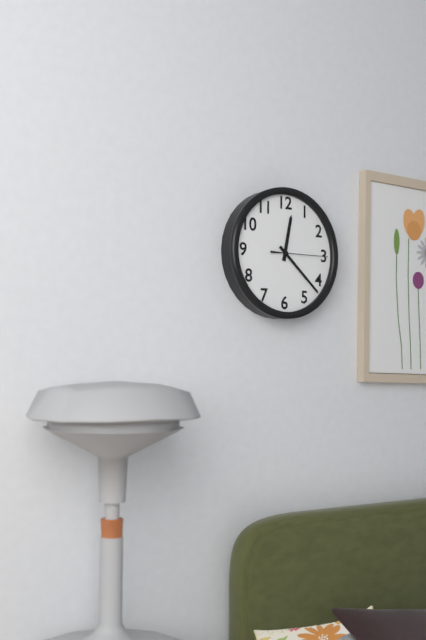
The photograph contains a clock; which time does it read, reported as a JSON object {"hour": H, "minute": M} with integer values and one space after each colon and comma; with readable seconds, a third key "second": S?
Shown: {"hour": 12, "minute": 22, "second": 15}
